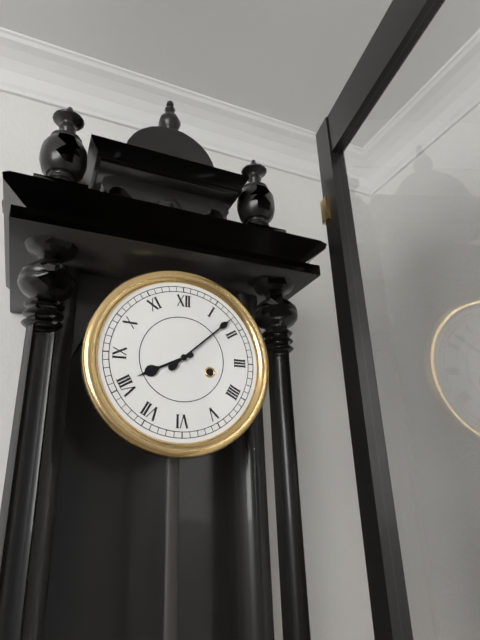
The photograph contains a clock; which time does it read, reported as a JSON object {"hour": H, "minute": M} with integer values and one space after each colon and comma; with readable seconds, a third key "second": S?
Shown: {"hour": 8, "minute": 8}
